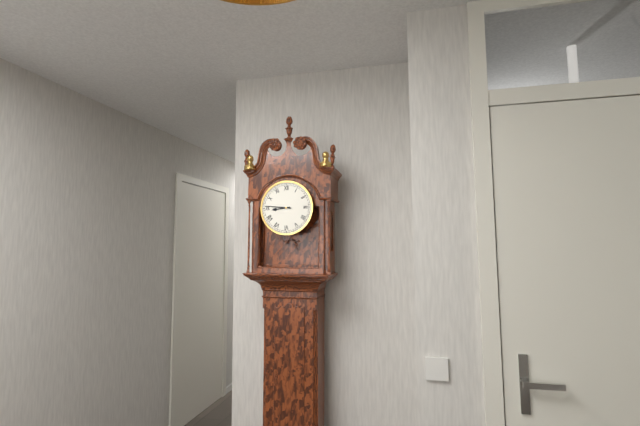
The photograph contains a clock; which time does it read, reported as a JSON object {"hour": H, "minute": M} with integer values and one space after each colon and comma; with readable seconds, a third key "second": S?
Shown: {"hour": 8, "minute": 46}
